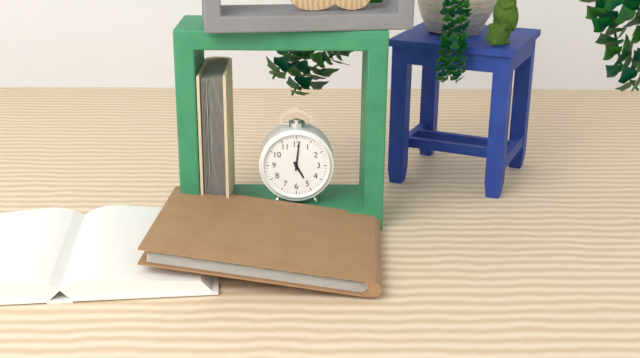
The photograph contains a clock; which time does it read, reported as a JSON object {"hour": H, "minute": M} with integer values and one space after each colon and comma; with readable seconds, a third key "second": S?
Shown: {"hour": 5, "minute": 1}
